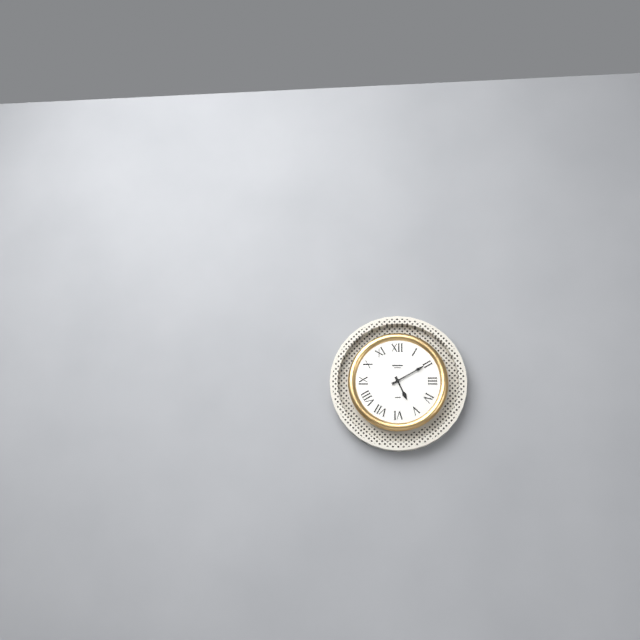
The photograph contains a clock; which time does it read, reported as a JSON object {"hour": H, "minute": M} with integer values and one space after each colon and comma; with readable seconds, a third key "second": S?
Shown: {"hour": 5, "minute": 10}
